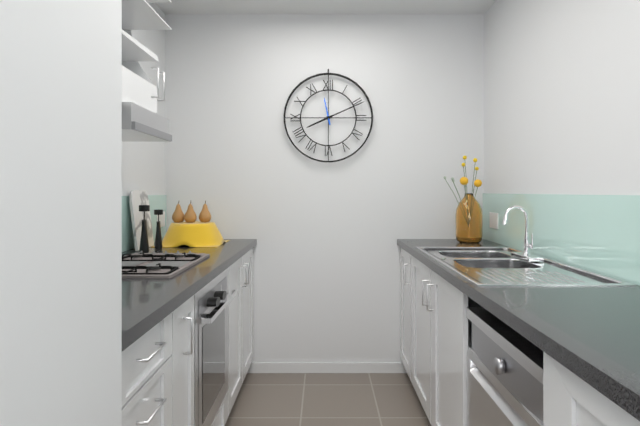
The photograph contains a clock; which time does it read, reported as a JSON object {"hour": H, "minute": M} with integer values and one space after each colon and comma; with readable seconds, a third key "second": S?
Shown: {"hour": 8, "minute": 11}
